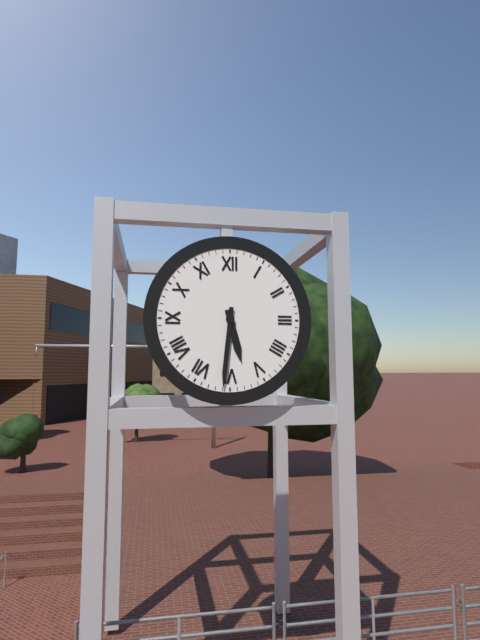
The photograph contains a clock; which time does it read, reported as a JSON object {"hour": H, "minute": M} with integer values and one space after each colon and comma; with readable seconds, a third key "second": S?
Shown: {"hour": 5, "minute": 31}
